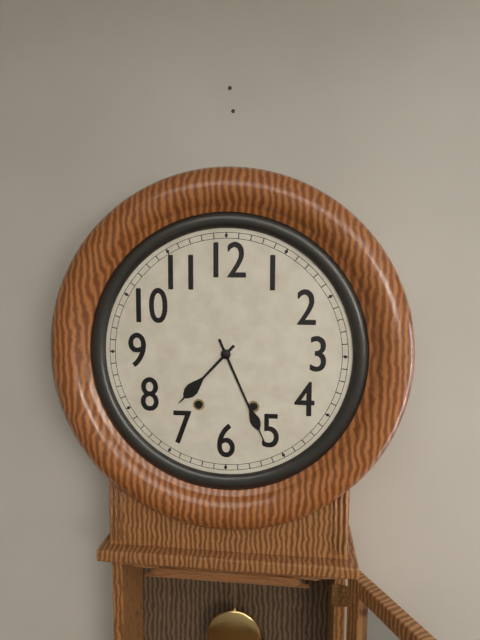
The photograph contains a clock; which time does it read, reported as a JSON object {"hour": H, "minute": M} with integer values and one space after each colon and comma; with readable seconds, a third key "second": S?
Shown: {"hour": 7, "minute": 26}
